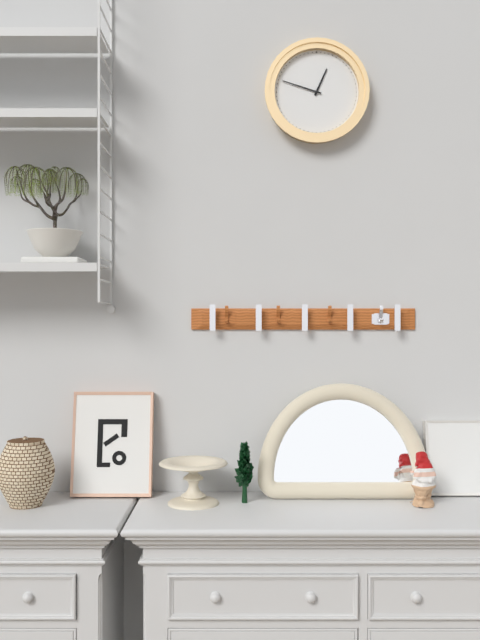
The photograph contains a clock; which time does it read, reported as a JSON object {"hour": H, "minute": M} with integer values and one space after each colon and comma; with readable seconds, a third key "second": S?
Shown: {"hour": 12, "minute": 48}
